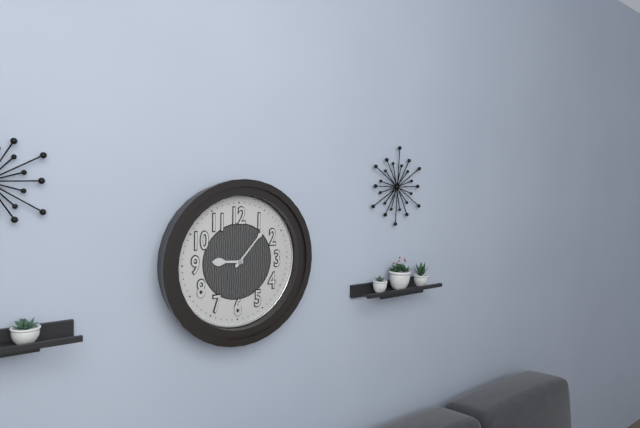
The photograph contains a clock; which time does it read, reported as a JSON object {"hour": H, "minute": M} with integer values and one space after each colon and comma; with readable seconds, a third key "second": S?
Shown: {"hour": 9, "minute": 7}
